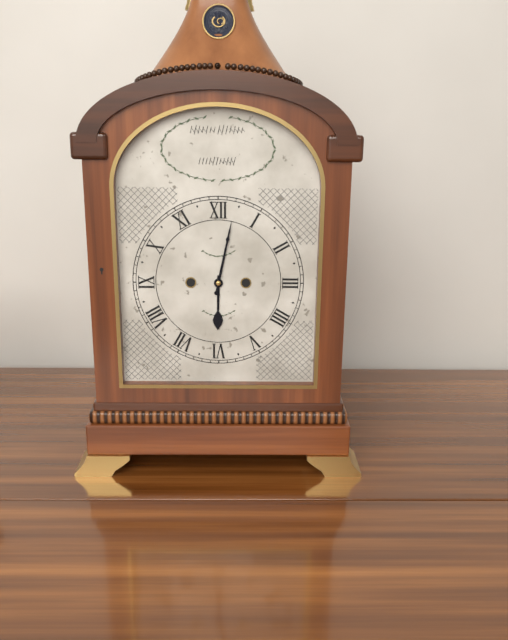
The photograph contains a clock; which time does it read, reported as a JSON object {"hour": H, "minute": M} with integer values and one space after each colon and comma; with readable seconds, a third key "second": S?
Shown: {"hour": 6, "minute": 2}
